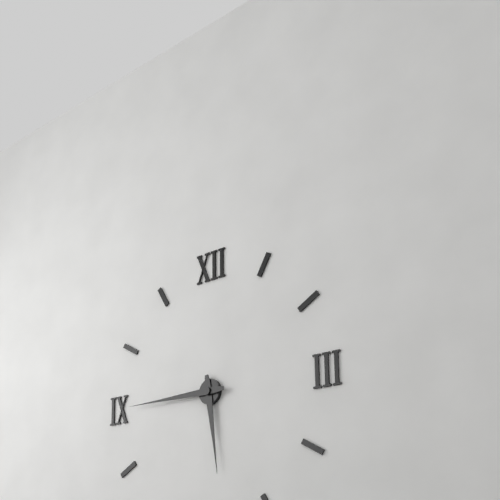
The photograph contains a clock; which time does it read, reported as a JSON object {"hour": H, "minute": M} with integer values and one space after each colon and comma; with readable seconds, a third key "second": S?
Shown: {"hour": 5, "minute": 45}
